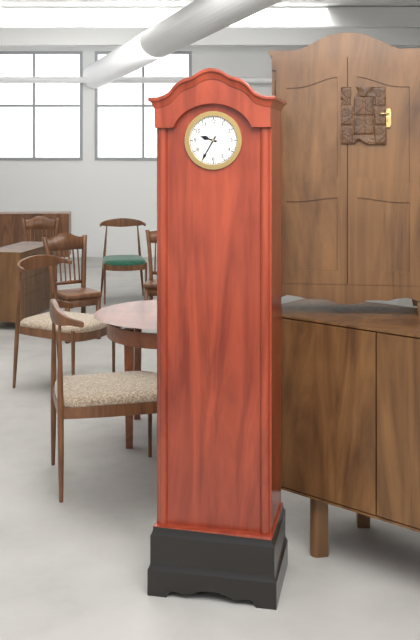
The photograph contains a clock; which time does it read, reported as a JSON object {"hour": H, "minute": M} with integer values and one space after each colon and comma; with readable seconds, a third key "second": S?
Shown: {"hour": 9, "minute": 35}
